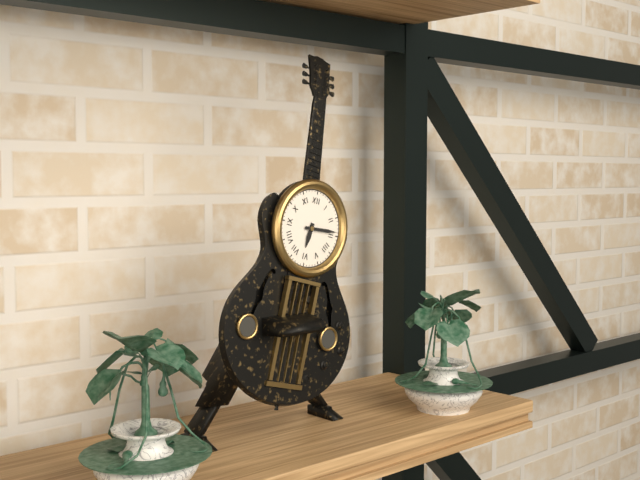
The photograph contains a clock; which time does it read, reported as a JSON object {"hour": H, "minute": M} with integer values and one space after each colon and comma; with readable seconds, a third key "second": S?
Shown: {"hour": 6, "minute": 14}
